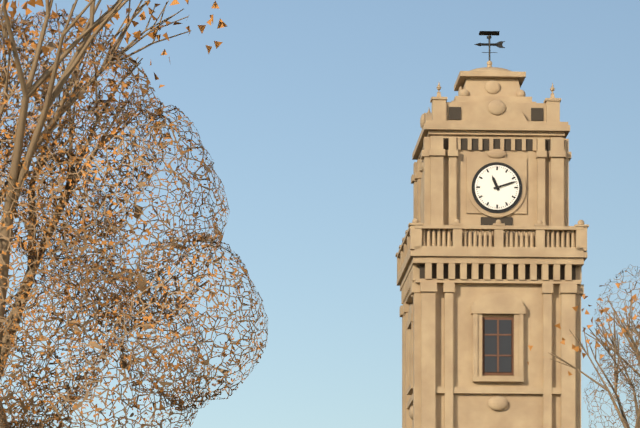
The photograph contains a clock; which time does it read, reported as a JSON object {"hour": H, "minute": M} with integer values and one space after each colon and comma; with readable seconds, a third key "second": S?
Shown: {"hour": 11, "minute": 12}
